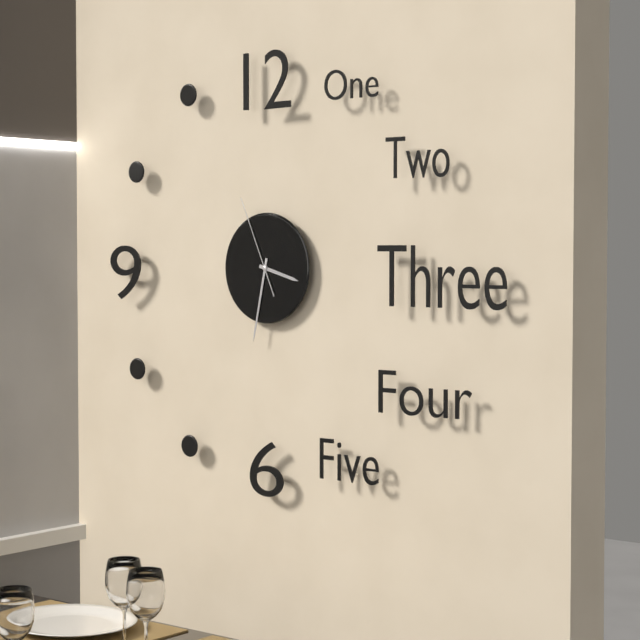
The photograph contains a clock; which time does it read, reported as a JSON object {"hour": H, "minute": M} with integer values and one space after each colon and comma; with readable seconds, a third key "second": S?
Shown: {"hour": 3, "minute": 32, "second": 56}
